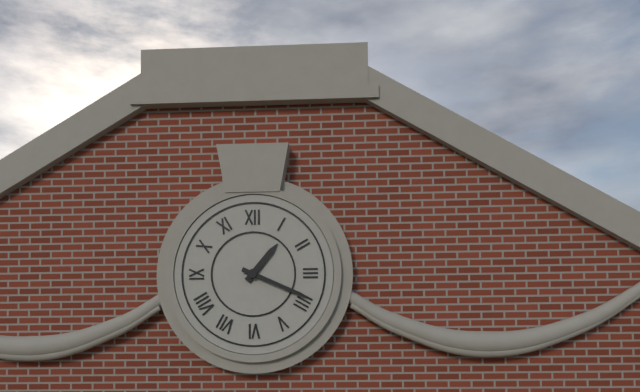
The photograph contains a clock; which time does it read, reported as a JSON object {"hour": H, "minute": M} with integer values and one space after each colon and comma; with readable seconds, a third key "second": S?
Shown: {"hour": 1, "minute": 19}
